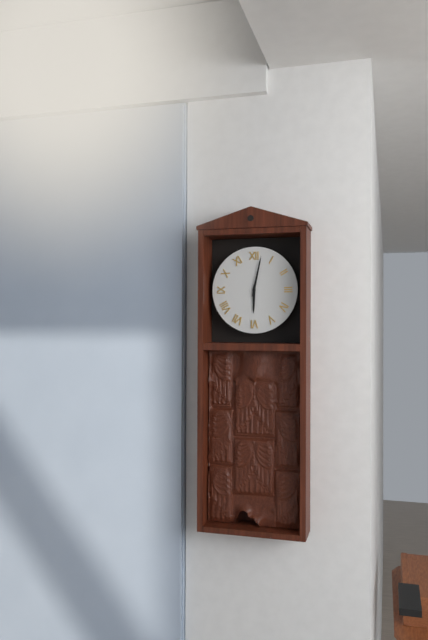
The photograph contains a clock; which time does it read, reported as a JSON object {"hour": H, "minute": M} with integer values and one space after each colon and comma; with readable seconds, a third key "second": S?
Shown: {"hour": 6, "minute": 2}
